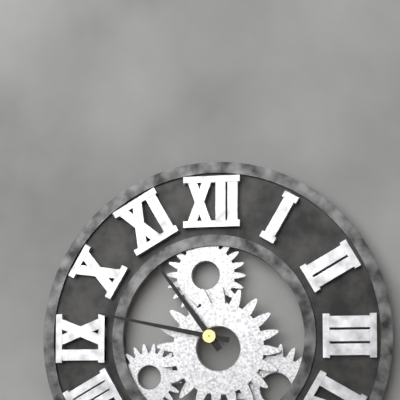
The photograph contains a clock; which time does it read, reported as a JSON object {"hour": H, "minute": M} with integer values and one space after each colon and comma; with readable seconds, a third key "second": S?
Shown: {"hour": 10, "minute": 47}
